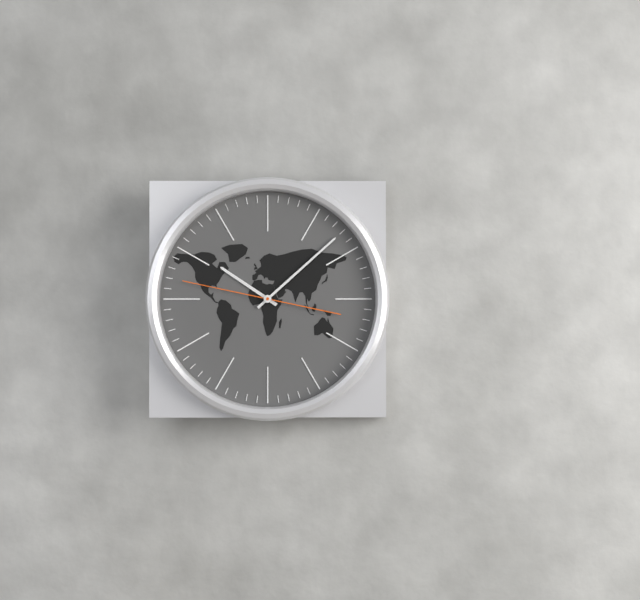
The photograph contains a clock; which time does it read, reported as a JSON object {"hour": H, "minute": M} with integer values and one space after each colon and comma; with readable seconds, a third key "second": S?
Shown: {"hour": 10, "minute": 8, "second": 47}
